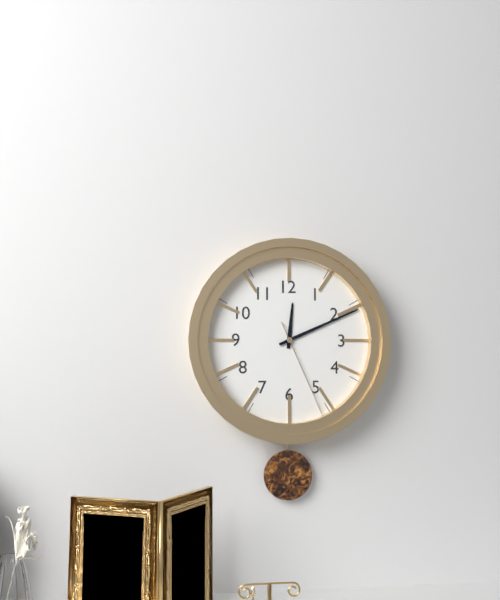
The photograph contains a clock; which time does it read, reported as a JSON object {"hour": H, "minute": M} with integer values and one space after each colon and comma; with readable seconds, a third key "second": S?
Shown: {"hour": 12, "minute": 11, "second": 26}
